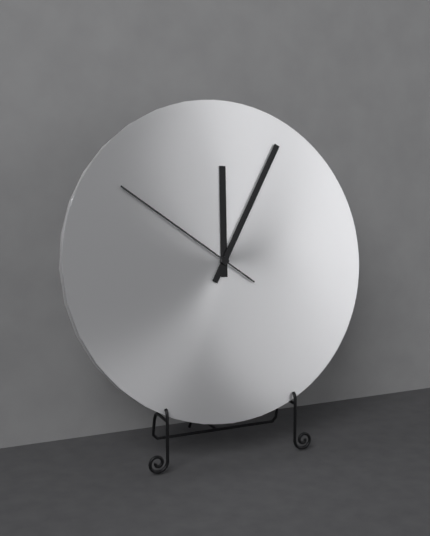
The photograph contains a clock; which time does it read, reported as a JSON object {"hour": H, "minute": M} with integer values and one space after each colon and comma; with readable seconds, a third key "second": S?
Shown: {"hour": 12, "minute": 5, "second": 51}
